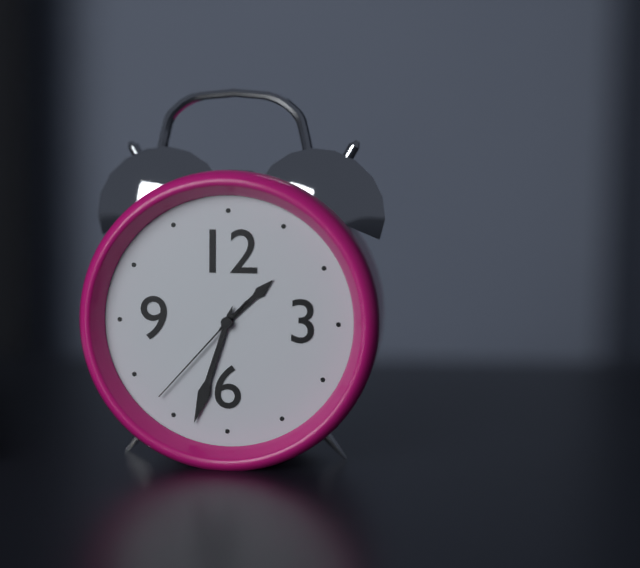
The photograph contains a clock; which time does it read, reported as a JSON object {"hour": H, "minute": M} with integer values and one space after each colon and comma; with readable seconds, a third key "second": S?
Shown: {"hour": 1, "minute": 33, "second": 37}
